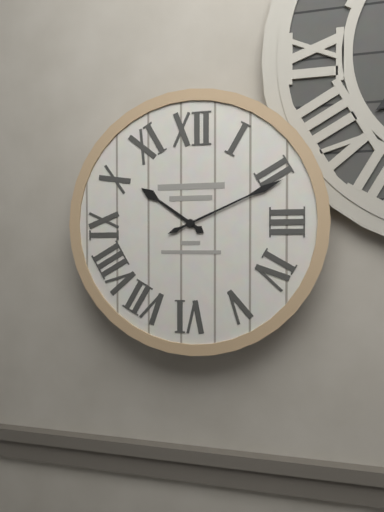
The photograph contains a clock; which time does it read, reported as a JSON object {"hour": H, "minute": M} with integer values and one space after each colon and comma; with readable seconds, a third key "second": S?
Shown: {"hour": 10, "minute": 11}
